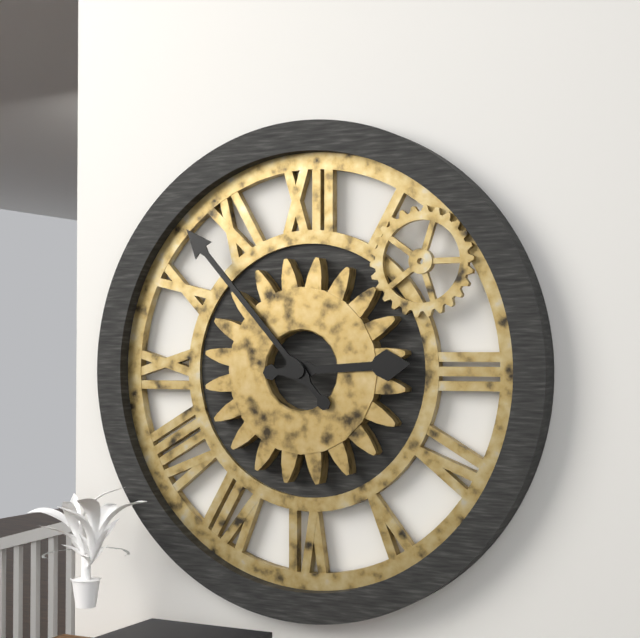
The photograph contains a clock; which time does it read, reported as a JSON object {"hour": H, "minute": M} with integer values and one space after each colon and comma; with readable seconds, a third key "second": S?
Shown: {"hour": 2, "minute": 53}
